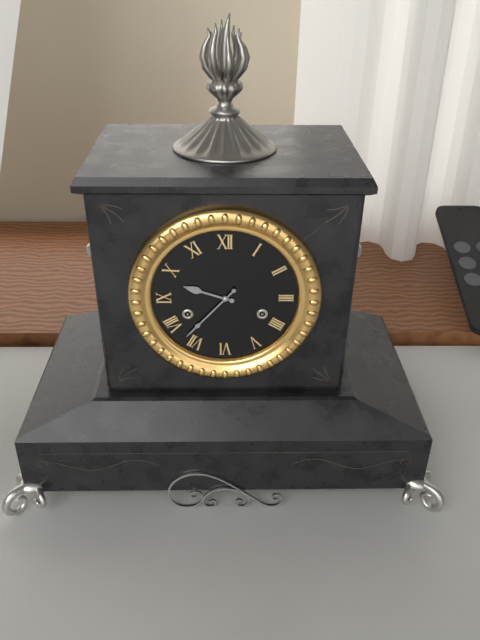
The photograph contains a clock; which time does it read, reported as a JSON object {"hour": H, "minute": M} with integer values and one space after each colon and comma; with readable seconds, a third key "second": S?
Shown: {"hour": 9, "minute": 37}
